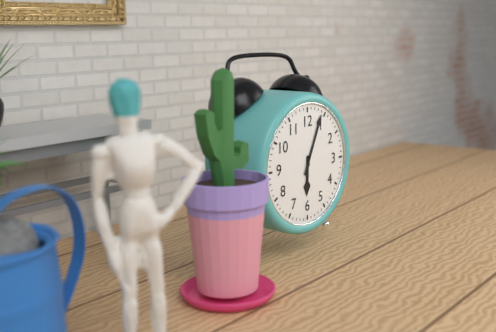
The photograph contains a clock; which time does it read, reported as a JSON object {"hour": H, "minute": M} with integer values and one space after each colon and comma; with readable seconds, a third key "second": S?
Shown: {"hour": 6, "minute": 4}
